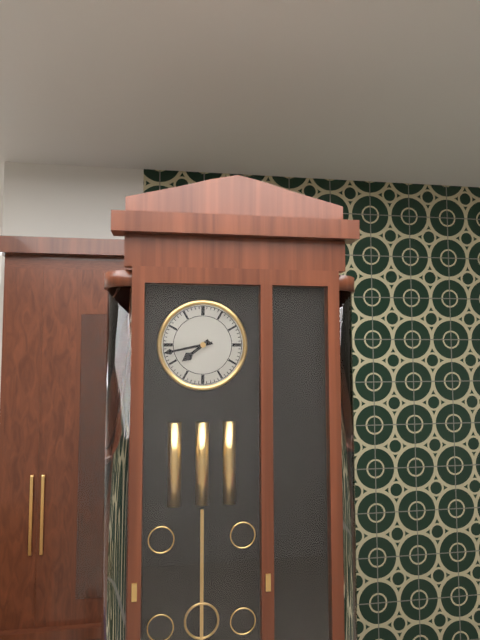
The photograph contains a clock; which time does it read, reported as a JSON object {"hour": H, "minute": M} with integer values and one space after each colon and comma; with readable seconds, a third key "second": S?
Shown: {"hour": 7, "minute": 43}
